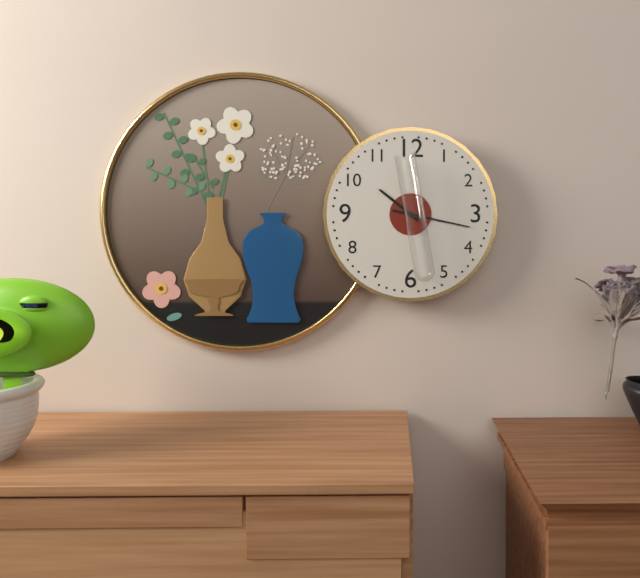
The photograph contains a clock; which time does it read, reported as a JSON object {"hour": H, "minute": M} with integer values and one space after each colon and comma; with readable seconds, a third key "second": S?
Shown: {"hour": 10, "minute": 17}
